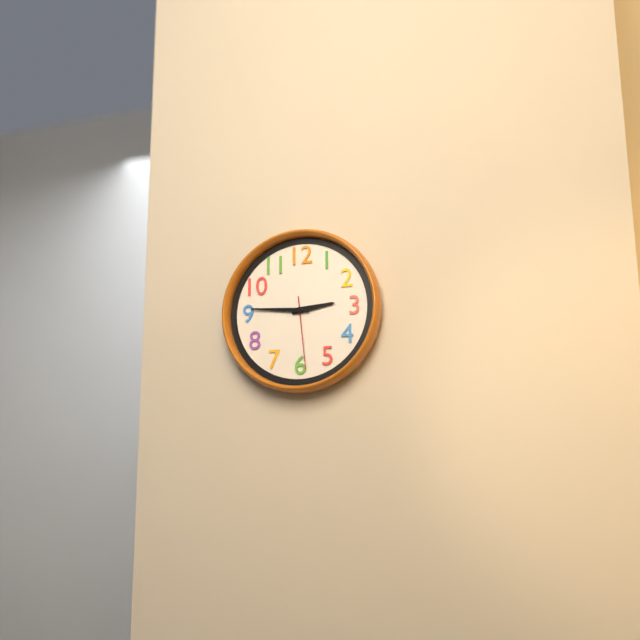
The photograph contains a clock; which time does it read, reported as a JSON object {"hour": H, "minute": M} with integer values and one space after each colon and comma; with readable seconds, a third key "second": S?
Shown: {"hour": 2, "minute": 46, "second": 29}
